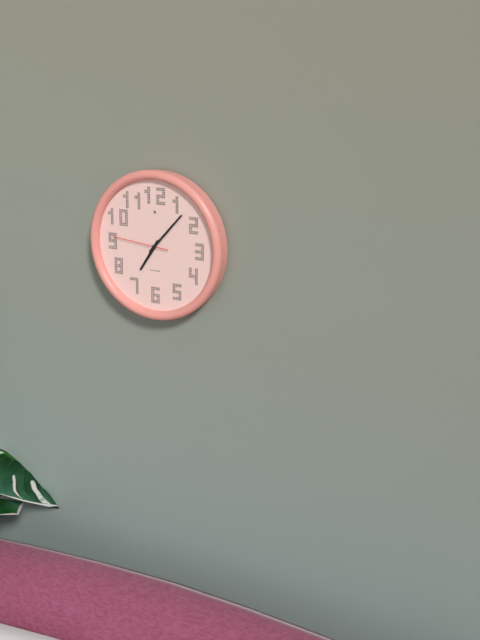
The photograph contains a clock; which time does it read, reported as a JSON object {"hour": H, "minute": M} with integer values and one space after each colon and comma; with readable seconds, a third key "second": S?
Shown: {"hour": 7, "minute": 7, "second": 46}
